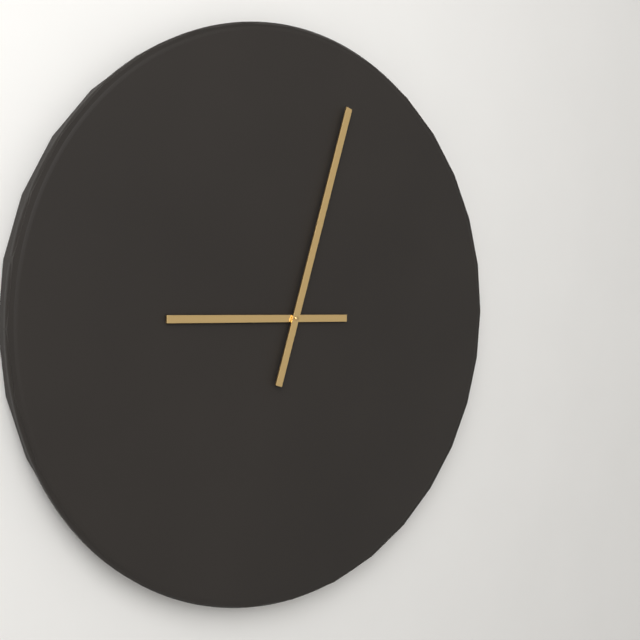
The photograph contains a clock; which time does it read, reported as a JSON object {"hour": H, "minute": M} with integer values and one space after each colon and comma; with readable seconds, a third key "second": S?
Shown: {"hour": 9, "minute": 3}
